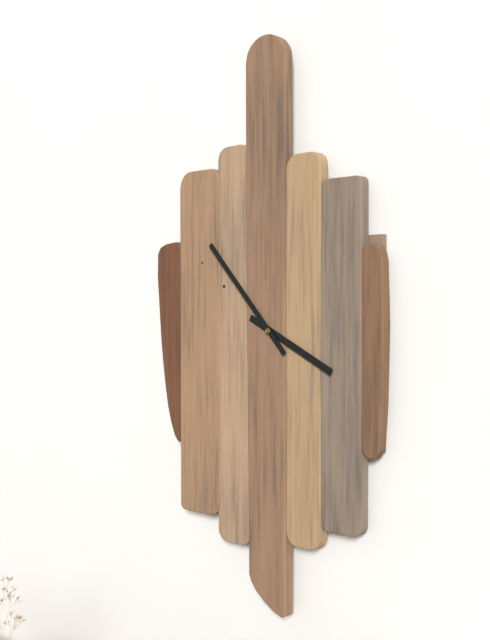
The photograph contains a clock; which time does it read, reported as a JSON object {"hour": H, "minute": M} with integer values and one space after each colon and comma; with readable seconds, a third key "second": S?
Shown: {"hour": 3, "minute": 53}
